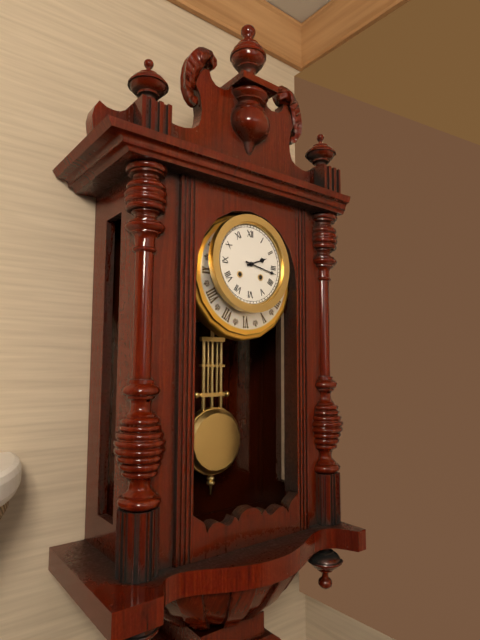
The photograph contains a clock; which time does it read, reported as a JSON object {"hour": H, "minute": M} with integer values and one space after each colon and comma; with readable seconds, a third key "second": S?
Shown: {"hour": 2, "minute": 17}
